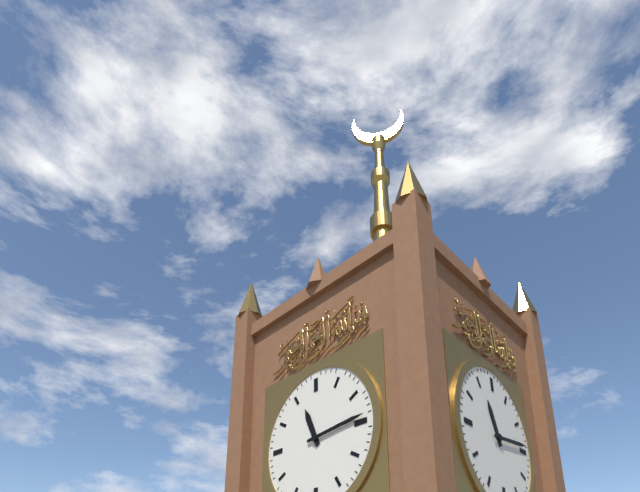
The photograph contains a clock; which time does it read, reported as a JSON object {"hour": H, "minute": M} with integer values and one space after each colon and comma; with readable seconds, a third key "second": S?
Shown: {"hour": 11, "minute": 14}
